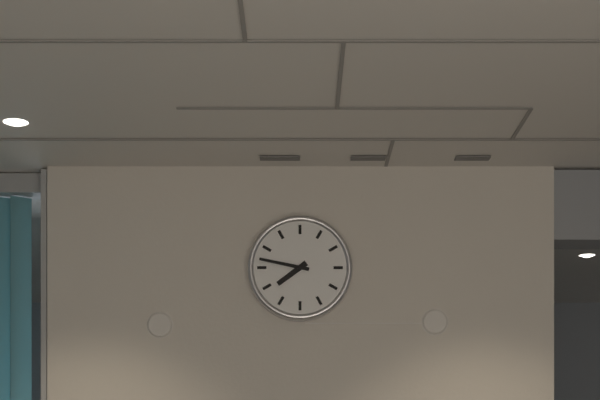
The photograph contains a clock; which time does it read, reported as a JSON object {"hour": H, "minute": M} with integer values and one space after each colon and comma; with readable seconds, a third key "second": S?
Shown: {"hour": 7, "minute": 47}
